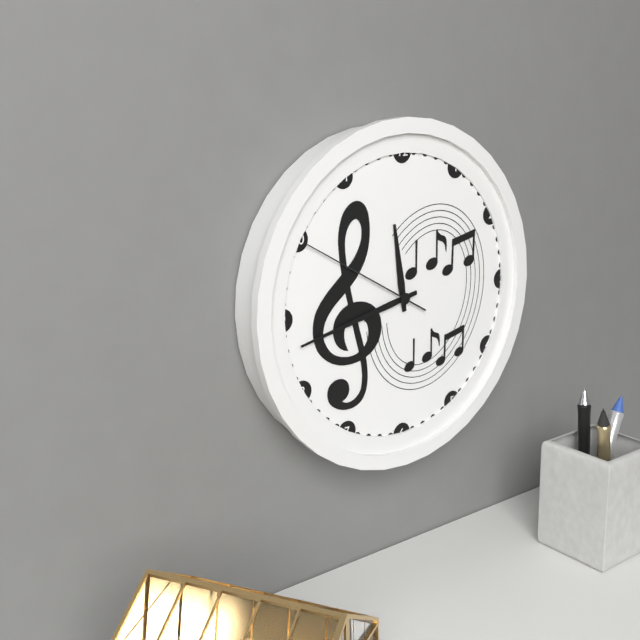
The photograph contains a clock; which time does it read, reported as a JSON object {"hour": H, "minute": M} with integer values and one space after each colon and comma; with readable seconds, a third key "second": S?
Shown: {"hour": 11, "minute": 43, "second": 50}
